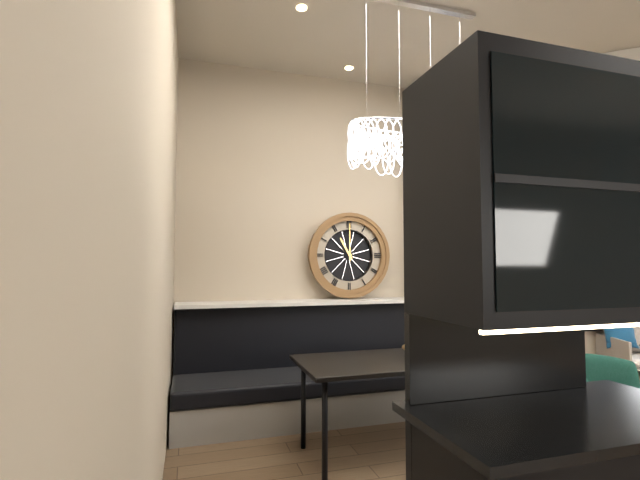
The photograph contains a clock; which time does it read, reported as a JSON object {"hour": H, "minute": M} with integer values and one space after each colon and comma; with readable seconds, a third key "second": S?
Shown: {"hour": 11, "minute": 0}
